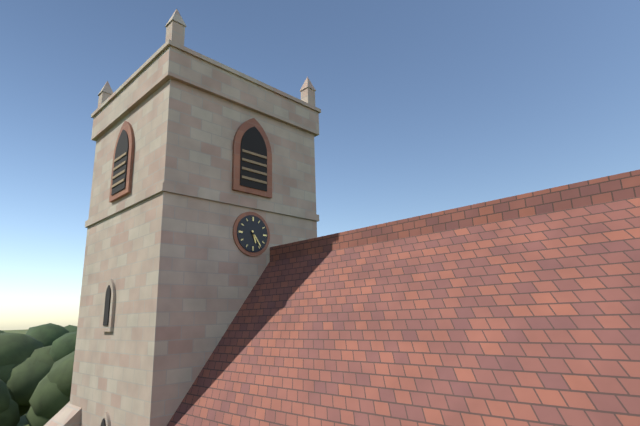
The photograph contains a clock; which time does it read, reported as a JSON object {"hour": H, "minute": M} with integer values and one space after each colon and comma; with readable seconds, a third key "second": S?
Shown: {"hour": 5, "minute": 24}
